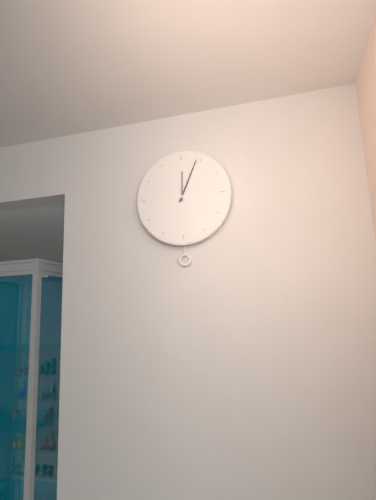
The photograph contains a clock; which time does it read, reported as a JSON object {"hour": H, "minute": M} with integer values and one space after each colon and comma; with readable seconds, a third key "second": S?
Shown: {"hour": 12, "minute": 4}
